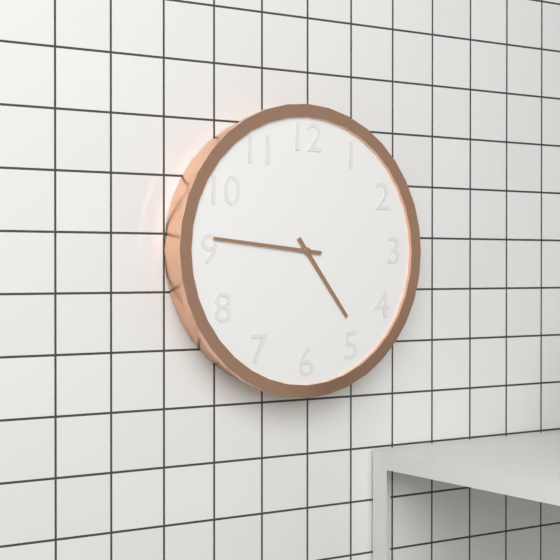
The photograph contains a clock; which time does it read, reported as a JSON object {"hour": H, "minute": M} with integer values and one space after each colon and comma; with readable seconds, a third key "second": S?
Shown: {"hour": 4, "minute": 46}
